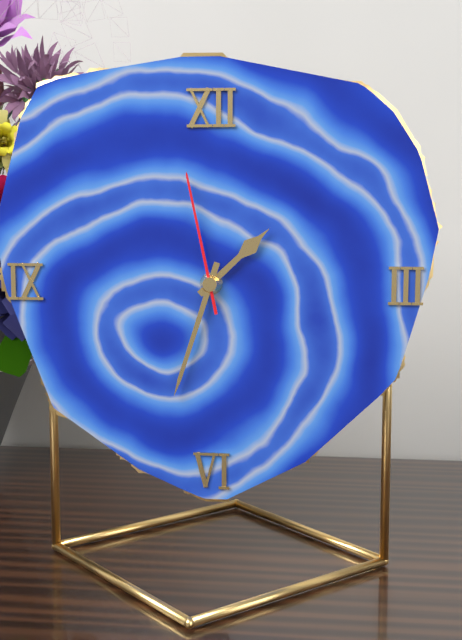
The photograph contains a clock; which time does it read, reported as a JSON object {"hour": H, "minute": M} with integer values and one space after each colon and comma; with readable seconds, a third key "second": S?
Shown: {"hour": 1, "minute": 33, "second": 58}
